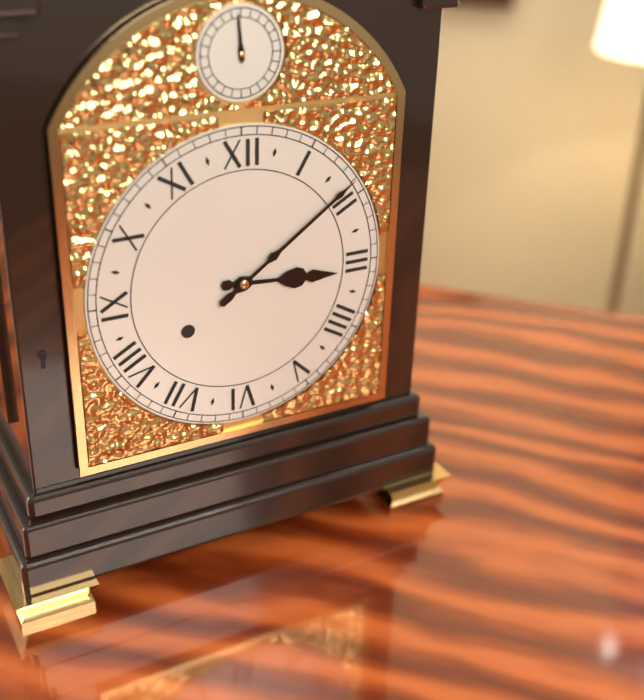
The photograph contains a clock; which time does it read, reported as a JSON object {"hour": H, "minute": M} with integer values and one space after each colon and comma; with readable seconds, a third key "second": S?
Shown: {"hour": 3, "minute": 9}
